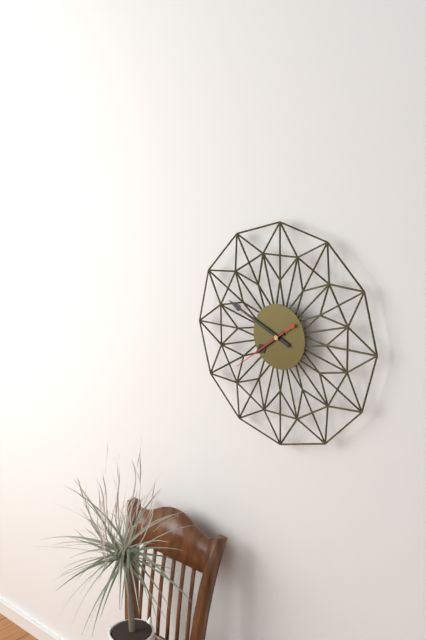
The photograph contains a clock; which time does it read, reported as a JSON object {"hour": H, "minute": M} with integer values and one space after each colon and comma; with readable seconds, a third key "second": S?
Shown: {"hour": 7, "minute": 49, "second": 39}
